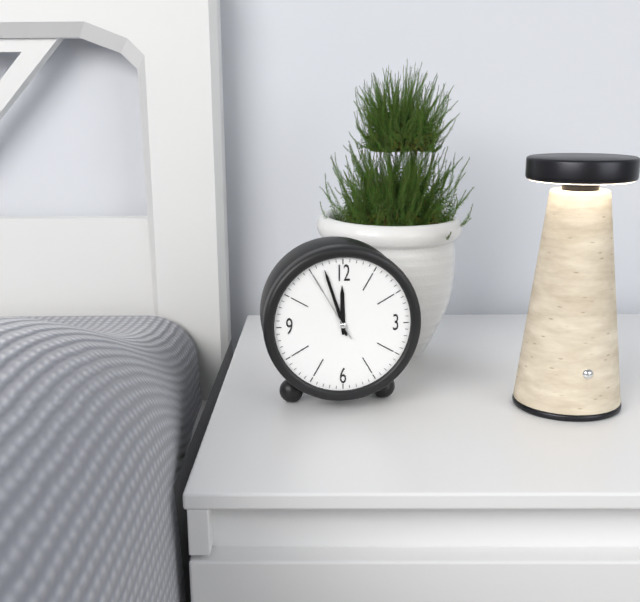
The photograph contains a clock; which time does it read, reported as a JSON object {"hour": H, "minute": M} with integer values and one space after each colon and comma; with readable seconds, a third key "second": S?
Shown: {"hour": 11, "minute": 57, "second": 55}
